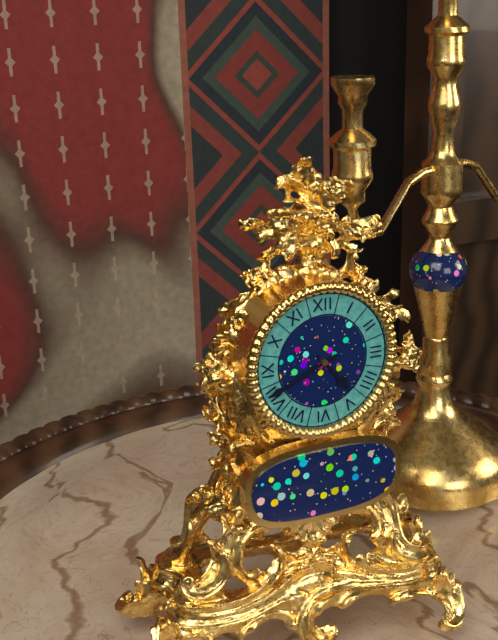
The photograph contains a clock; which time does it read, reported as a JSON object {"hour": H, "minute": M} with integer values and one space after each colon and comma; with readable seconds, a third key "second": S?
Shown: {"hour": 4, "minute": 41}
